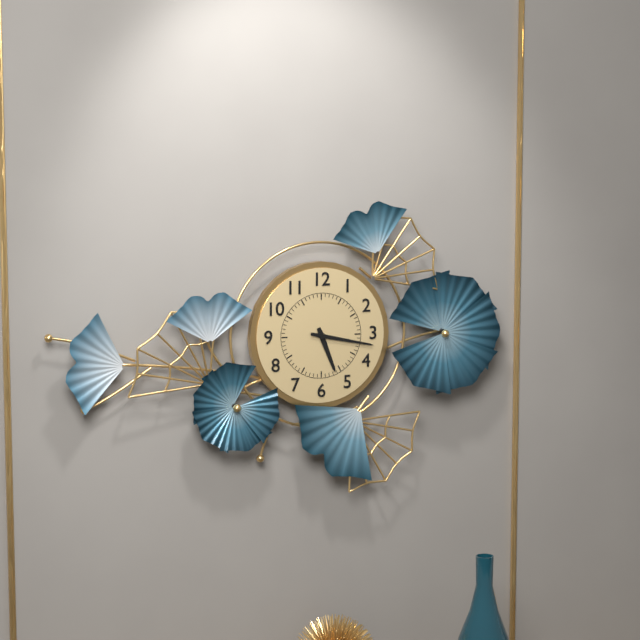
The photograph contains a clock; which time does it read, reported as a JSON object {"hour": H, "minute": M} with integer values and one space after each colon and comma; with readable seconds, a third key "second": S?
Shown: {"hour": 5, "minute": 17}
